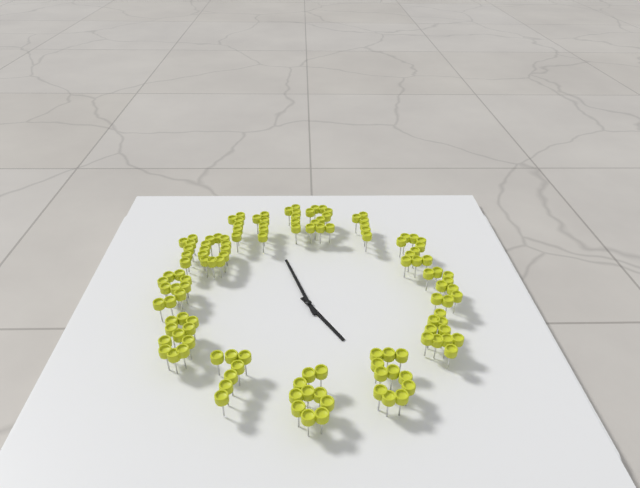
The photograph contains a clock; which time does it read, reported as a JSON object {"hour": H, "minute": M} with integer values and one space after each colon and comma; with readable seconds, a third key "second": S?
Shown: {"hour": 4, "minute": 57}
